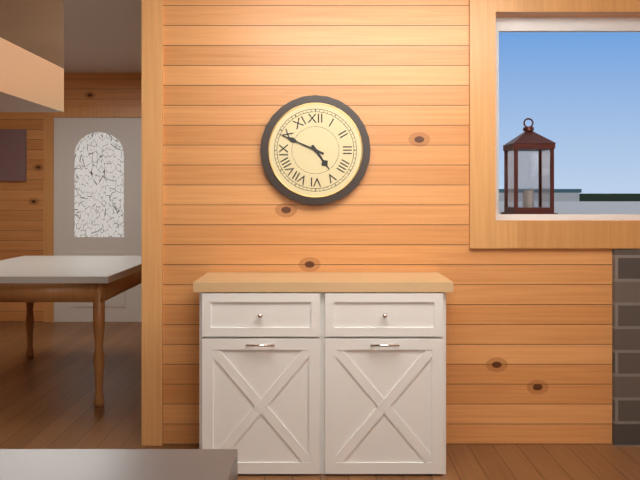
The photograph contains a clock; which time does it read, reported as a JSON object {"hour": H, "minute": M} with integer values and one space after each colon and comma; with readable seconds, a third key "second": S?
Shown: {"hour": 4, "minute": 49}
